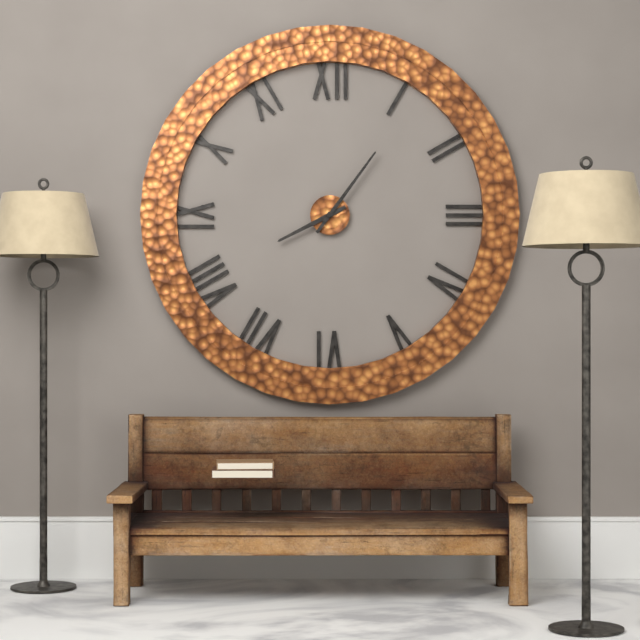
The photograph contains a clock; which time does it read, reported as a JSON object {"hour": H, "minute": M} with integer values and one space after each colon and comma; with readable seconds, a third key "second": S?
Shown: {"hour": 8, "minute": 6}
